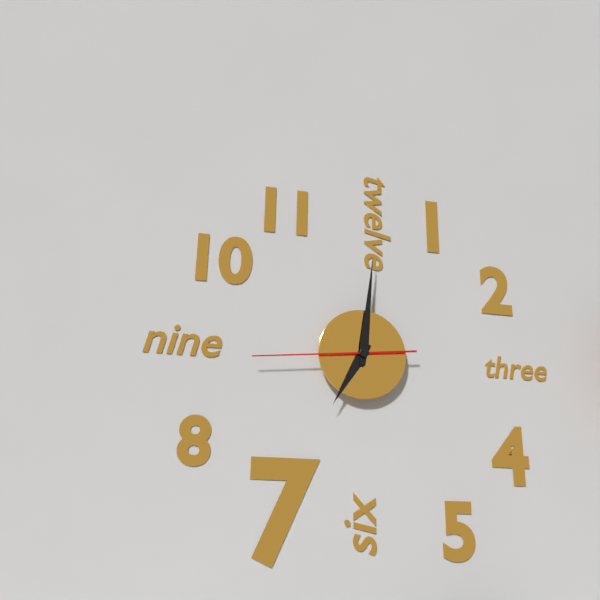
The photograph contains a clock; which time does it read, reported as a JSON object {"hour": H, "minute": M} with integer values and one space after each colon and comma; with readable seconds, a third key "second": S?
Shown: {"hour": 7, "minute": 1, "second": 44}
